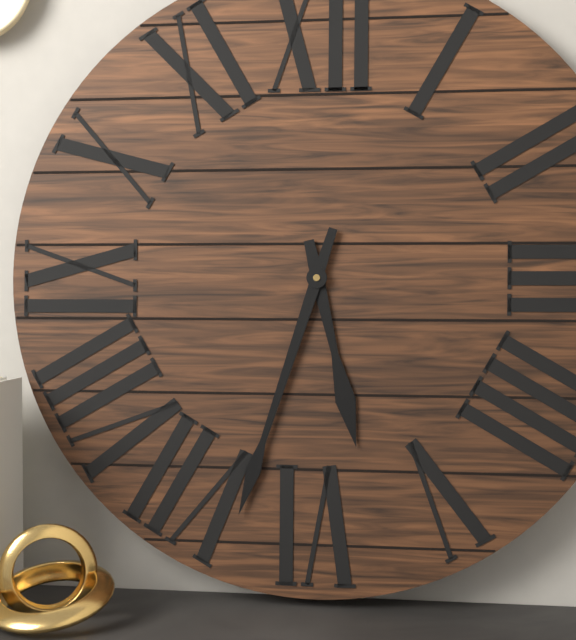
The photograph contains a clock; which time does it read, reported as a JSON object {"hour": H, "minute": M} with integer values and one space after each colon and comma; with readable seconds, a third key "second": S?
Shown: {"hour": 5, "minute": 33}
